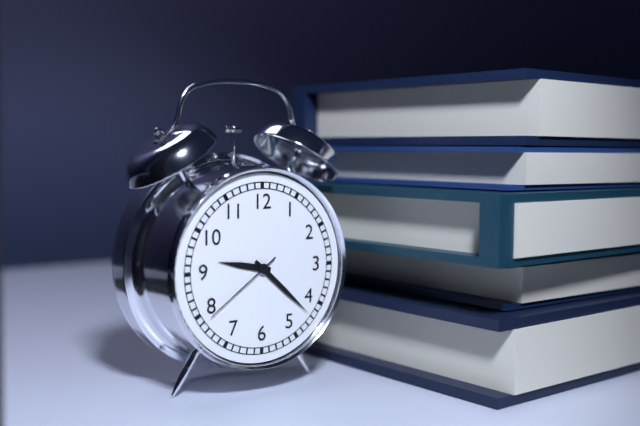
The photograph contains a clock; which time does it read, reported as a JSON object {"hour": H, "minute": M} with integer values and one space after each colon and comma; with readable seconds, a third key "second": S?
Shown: {"hour": 9, "minute": 22, "second": 39}
